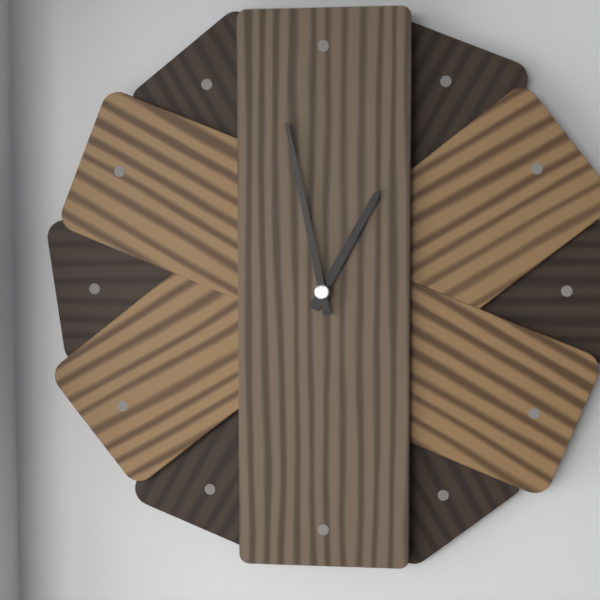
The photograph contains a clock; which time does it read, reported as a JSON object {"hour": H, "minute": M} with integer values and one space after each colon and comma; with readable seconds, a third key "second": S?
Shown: {"hour": 12, "minute": 58}
